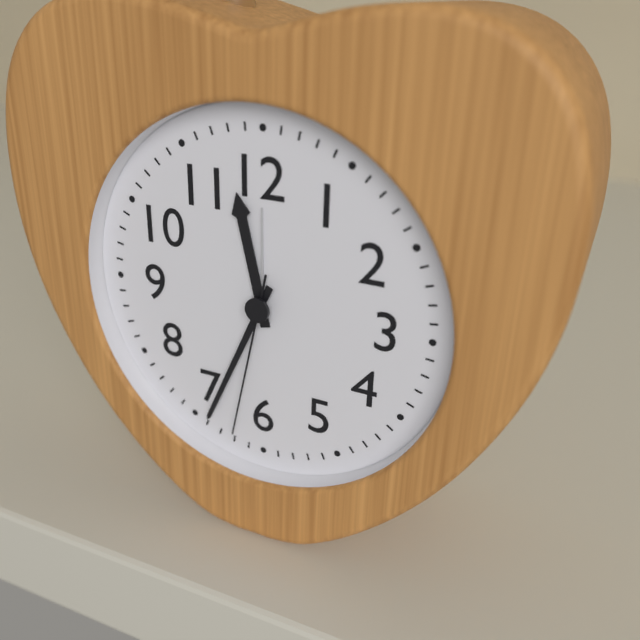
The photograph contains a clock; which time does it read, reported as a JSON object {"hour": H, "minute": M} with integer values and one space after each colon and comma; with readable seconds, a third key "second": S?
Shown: {"hour": 11, "minute": 34, "second": 32}
